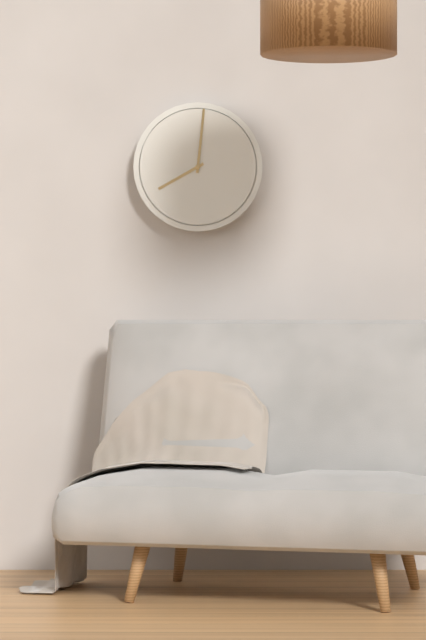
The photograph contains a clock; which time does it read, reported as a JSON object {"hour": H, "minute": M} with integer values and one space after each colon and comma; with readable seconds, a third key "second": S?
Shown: {"hour": 8, "minute": 1}
